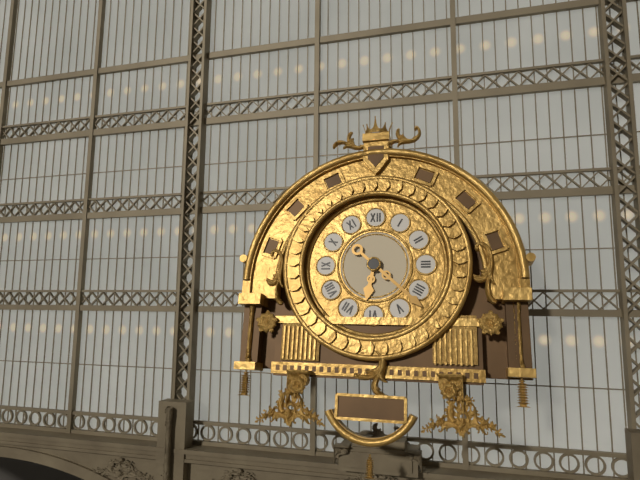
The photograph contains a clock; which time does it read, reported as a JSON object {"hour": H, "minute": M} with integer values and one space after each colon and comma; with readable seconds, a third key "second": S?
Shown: {"hour": 6, "minute": 22}
